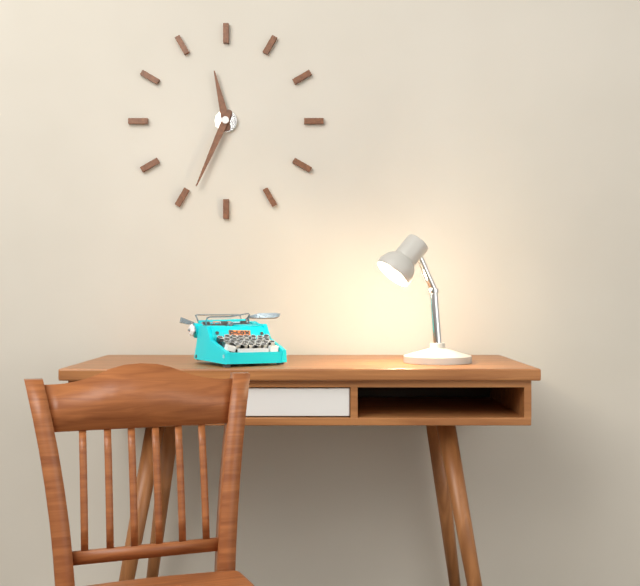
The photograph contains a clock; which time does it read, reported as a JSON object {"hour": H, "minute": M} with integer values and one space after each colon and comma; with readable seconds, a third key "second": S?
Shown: {"hour": 11, "minute": 34}
